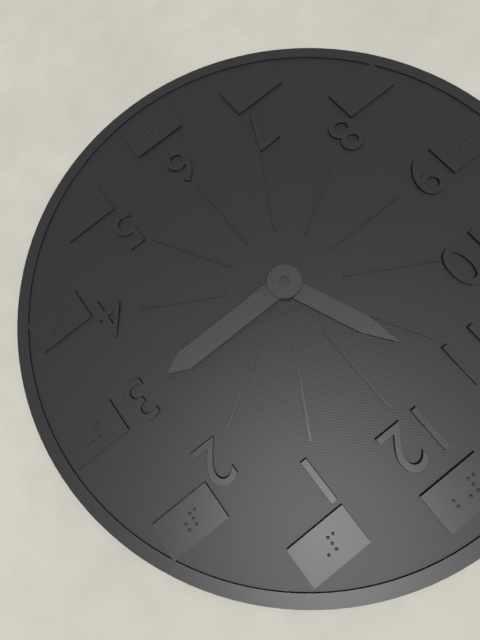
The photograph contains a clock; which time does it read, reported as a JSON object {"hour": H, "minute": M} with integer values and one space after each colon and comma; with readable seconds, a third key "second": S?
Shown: {"hour": 11, "minute": 15}
